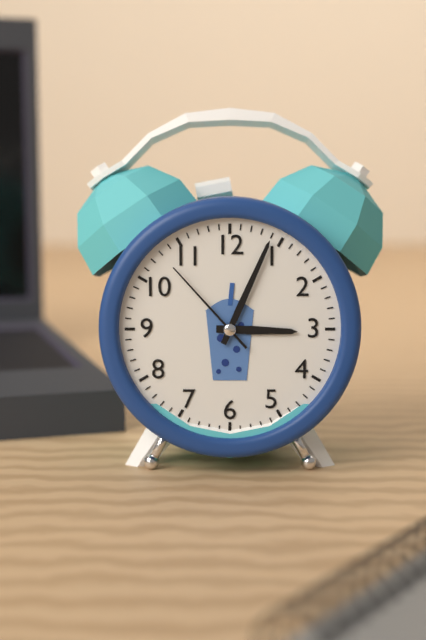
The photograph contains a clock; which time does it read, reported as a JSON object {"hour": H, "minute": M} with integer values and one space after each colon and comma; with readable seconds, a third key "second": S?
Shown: {"hour": 3, "minute": 4, "second": 53}
